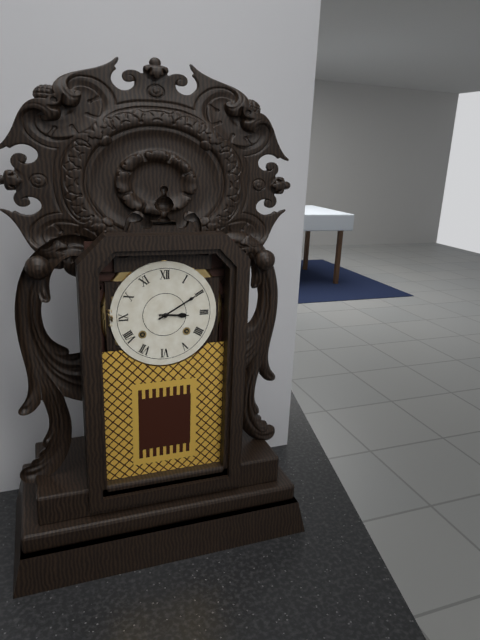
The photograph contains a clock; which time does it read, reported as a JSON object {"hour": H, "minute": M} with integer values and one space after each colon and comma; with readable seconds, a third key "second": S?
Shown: {"hour": 3, "minute": 10}
